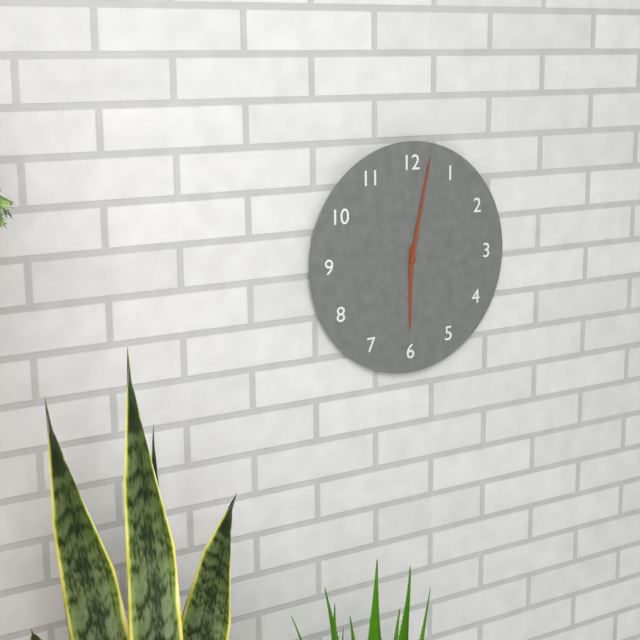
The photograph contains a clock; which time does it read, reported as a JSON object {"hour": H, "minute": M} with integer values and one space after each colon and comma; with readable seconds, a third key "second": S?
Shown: {"hour": 6, "minute": 2}
